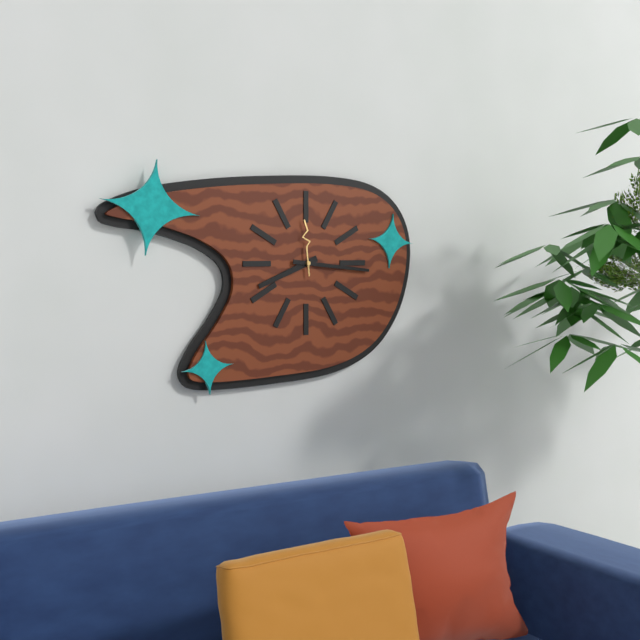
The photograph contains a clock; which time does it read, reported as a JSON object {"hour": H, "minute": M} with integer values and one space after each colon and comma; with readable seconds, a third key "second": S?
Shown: {"hour": 8, "minute": 16, "second": 59}
